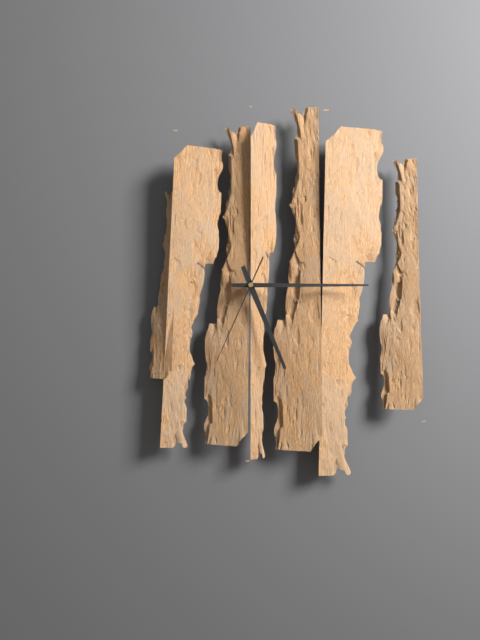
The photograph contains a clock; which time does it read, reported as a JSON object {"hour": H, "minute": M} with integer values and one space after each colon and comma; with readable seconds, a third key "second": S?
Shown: {"hour": 5, "minute": 15, "second": 34}
